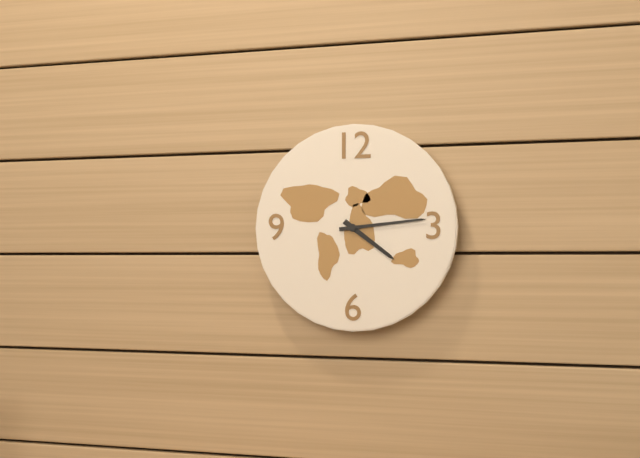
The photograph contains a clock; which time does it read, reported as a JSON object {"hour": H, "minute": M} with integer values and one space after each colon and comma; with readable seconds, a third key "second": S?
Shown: {"hour": 4, "minute": 14}
